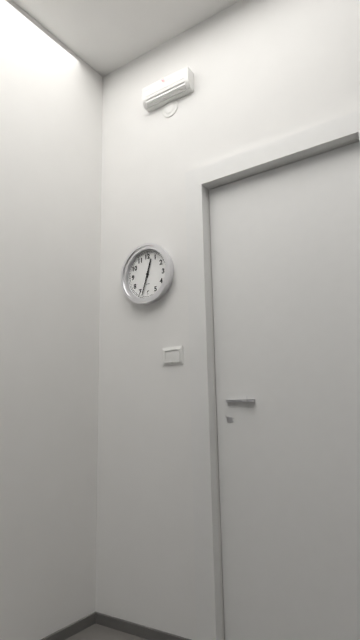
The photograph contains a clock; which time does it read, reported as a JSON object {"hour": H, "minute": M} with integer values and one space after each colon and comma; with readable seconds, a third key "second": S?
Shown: {"hour": 12, "minute": 33}
